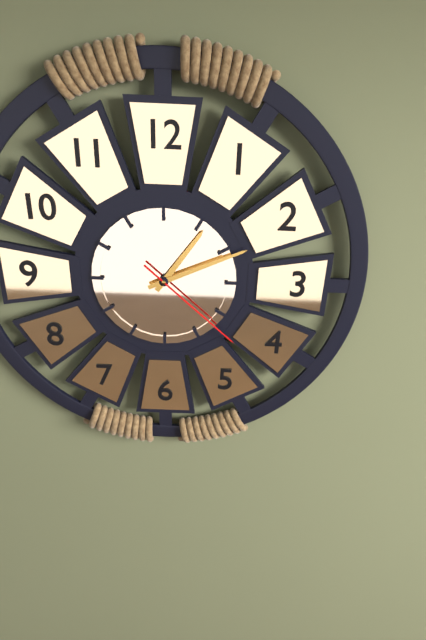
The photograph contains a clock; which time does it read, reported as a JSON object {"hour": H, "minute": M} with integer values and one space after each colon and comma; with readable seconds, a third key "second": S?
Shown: {"hour": 1, "minute": 11, "second": 22}
